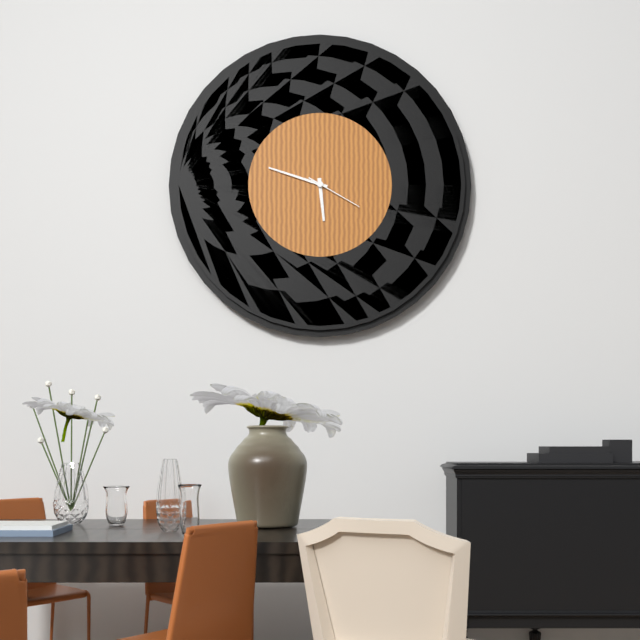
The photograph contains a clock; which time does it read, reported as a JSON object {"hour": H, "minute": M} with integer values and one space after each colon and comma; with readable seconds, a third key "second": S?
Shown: {"hour": 5, "minute": 48, "second": 20}
